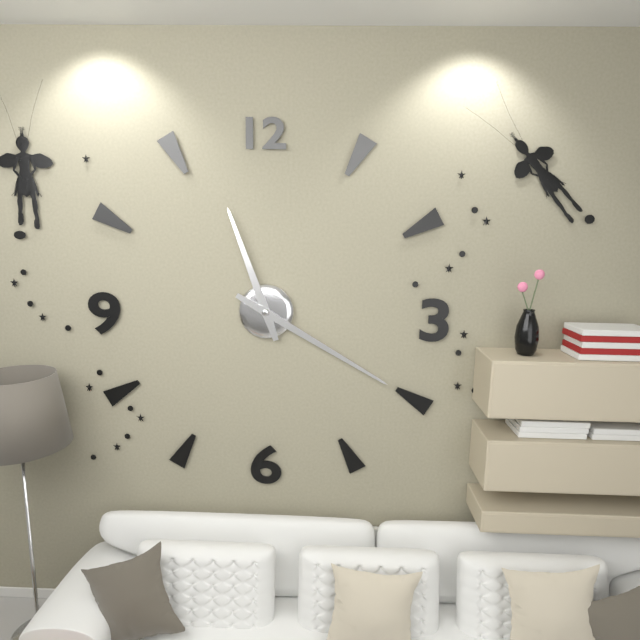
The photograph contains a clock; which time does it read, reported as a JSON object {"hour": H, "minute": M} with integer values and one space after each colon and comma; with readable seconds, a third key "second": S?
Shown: {"hour": 11, "minute": 20}
